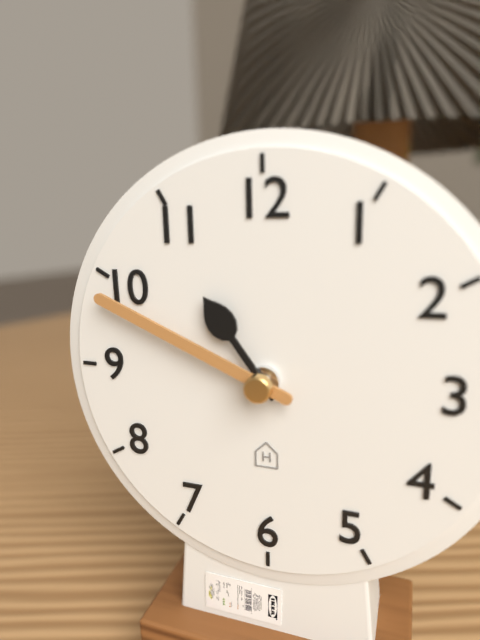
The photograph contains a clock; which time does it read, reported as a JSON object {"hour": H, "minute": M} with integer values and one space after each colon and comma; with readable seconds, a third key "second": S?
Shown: {"hour": 10, "minute": 49}
